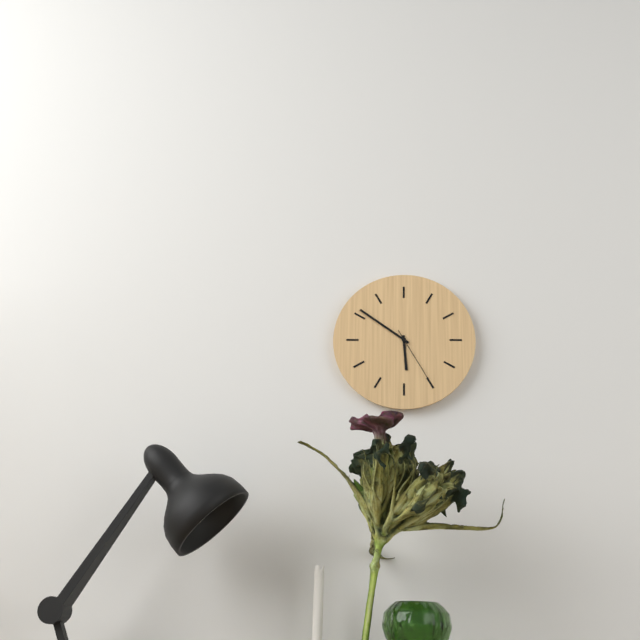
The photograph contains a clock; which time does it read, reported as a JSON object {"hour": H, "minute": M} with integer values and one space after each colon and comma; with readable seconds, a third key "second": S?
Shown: {"hour": 5, "minute": 51, "second": 25}
